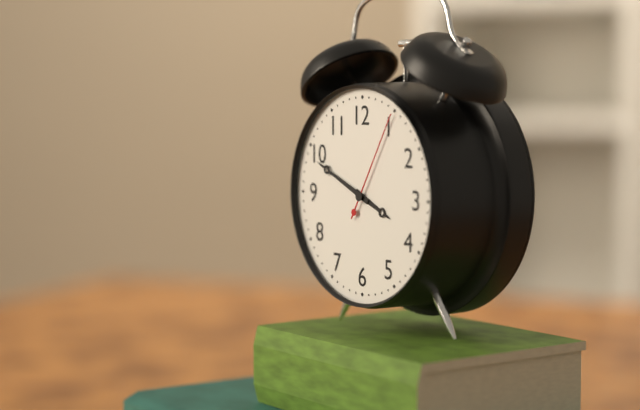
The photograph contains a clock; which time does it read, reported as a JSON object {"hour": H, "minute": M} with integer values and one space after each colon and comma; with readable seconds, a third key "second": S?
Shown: {"hour": 3, "minute": 49, "second": 5}
